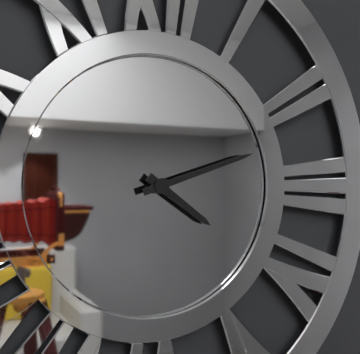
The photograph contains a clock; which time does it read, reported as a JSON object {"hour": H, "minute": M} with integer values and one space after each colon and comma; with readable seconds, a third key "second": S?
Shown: {"hour": 4, "minute": 12}
